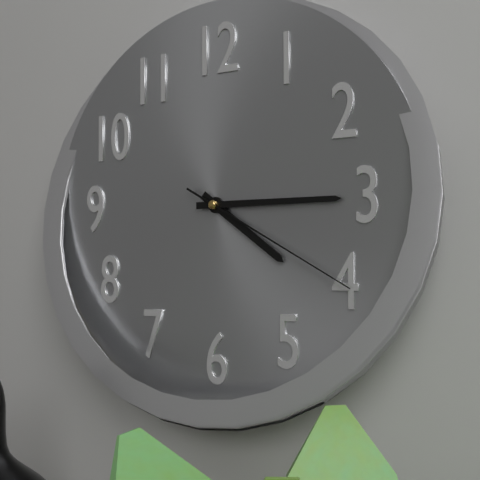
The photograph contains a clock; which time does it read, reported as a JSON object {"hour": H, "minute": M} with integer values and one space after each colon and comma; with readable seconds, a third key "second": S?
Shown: {"hour": 4, "minute": 15, "second": 20}
